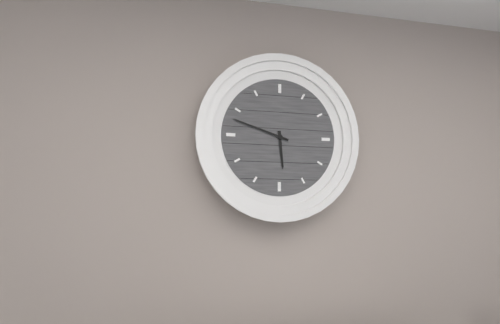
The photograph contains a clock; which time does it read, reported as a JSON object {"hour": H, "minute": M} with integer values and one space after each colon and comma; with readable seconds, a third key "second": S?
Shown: {"hour": 5, "minute": 48}
